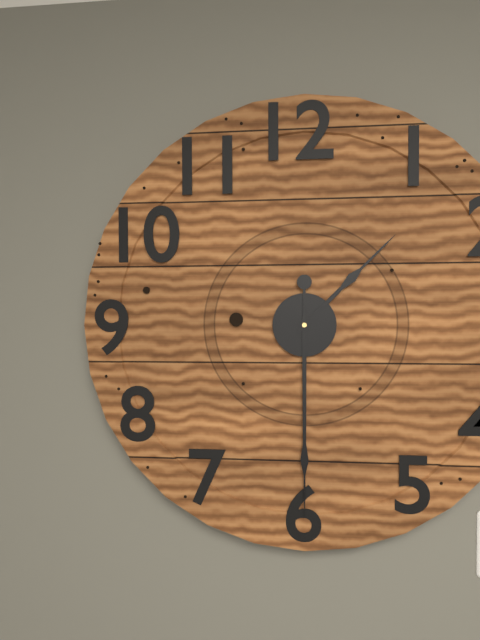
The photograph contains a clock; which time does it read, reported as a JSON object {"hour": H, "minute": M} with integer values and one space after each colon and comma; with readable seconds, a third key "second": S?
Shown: {"hour": 1, "minute": 30}
